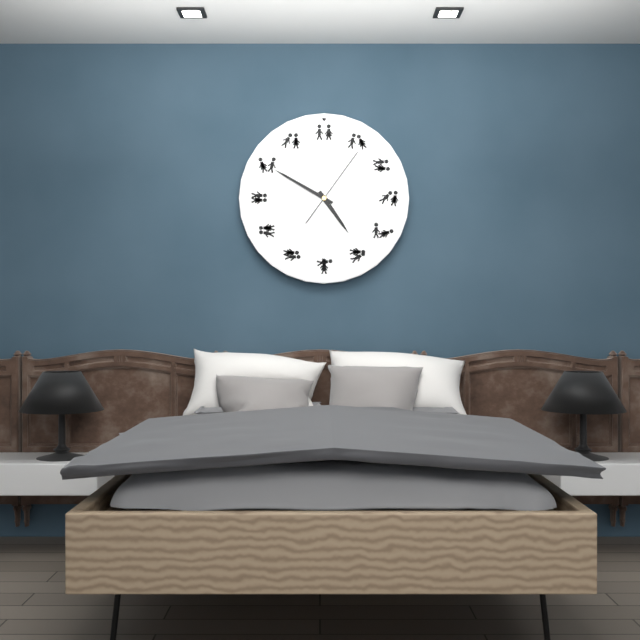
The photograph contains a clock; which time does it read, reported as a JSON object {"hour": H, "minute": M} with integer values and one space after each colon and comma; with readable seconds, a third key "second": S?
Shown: {"hour": 4, "minute": 50, "second": 6}
